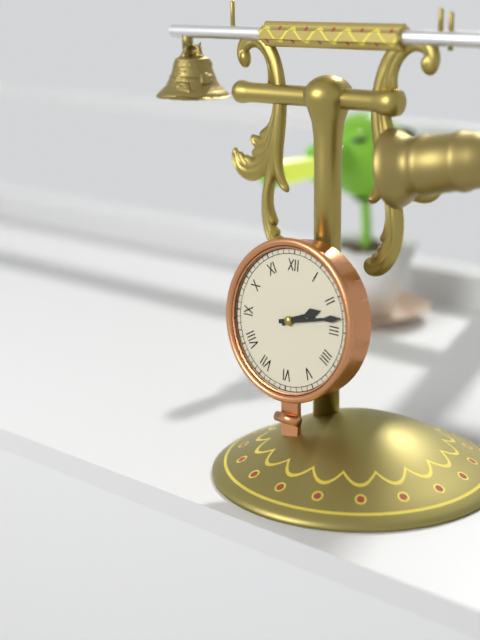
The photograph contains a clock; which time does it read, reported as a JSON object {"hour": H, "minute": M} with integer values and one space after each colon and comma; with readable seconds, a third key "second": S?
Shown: {"hour": 2, "minute": 13}
